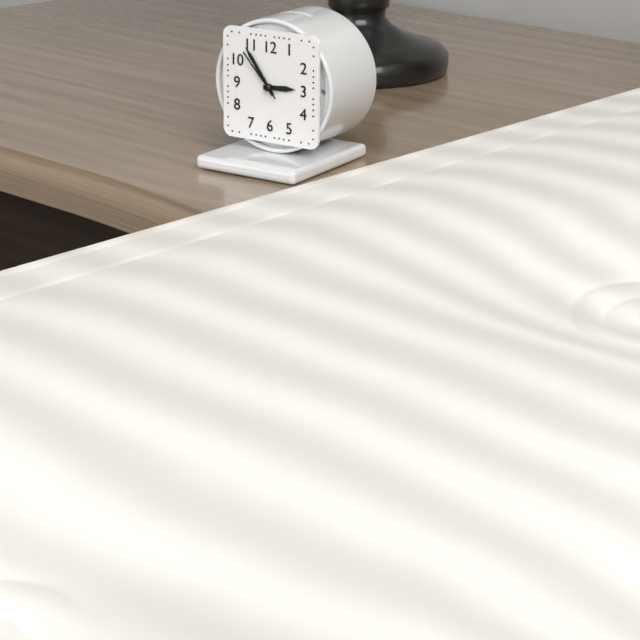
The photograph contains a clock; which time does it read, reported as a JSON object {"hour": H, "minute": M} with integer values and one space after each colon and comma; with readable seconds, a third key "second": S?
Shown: {"hour": 2, "minute": 54, "second": 53}
